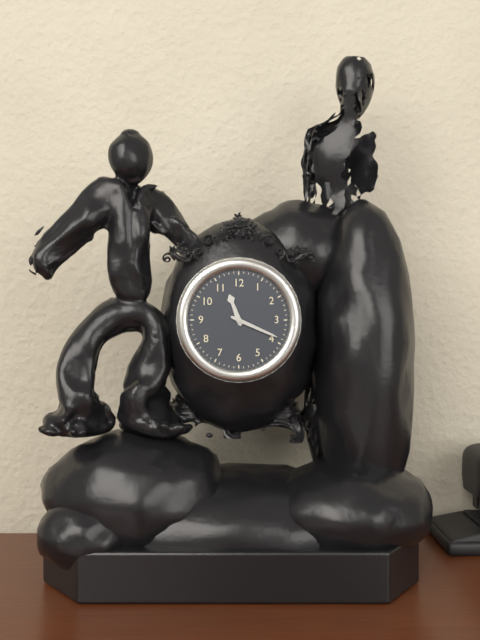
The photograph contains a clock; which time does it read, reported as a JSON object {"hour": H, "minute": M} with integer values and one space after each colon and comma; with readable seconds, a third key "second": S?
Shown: {"hour": 11, "minute": 19}
